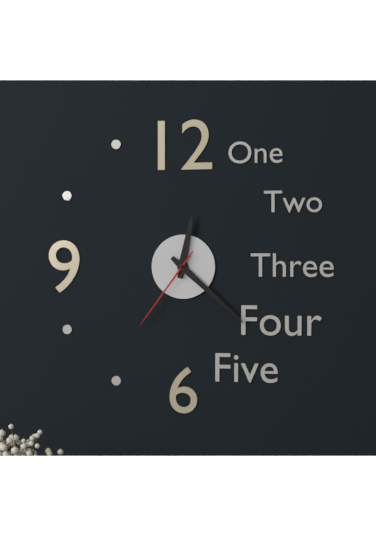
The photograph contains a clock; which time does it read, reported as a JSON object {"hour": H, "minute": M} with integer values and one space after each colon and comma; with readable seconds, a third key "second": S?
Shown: {"hour": 12, "minute": 22, "second": 36}
